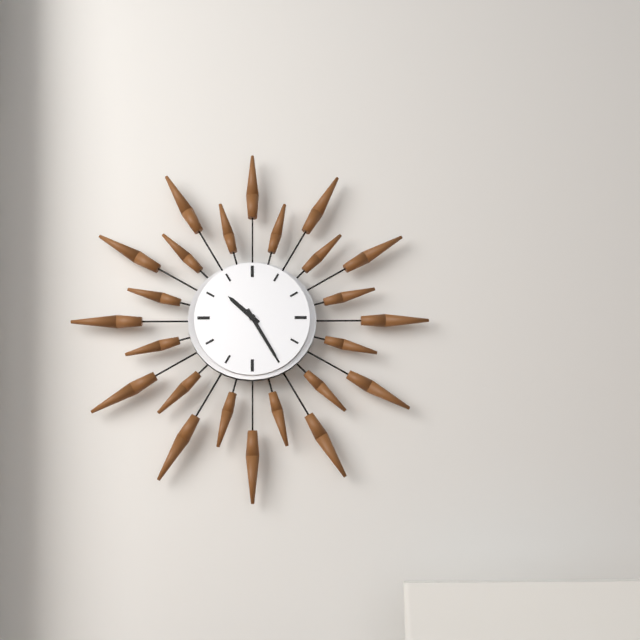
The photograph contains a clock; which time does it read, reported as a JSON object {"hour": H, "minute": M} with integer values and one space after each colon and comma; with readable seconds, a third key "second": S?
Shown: {"hour": 10, "minute": 25}
